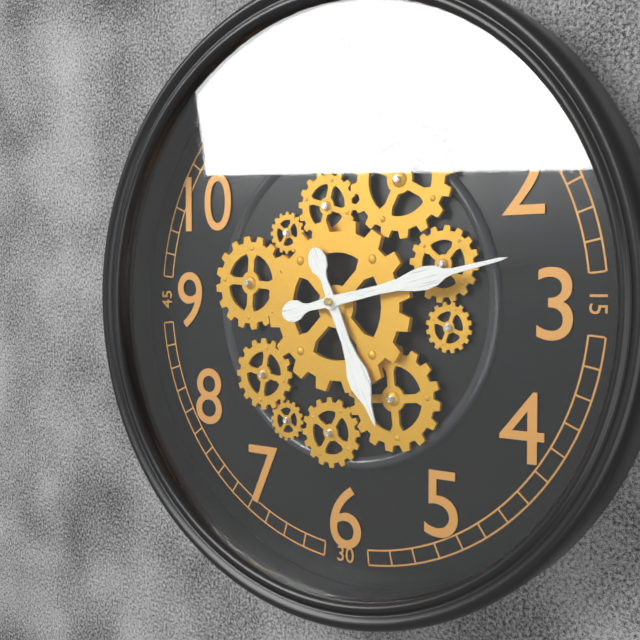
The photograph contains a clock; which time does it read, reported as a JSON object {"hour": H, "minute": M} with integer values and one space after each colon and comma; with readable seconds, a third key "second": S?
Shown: {"hour": 5, "minute": 13}
